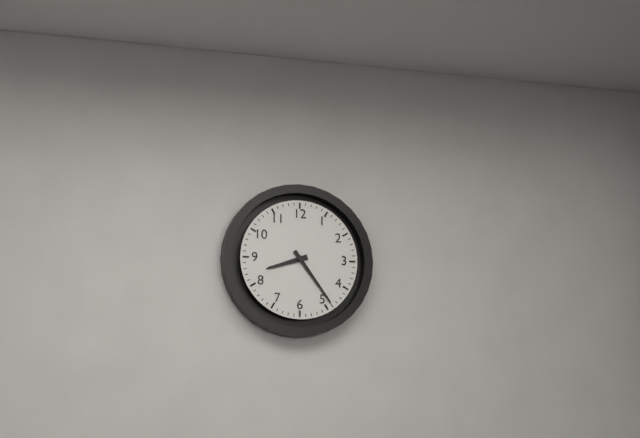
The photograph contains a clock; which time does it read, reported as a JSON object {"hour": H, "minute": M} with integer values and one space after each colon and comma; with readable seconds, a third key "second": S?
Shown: {"hour": 8, "minute": 24}
